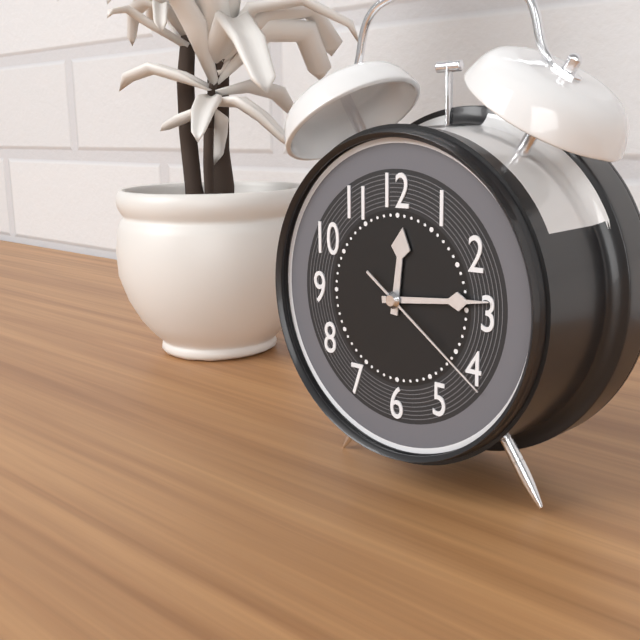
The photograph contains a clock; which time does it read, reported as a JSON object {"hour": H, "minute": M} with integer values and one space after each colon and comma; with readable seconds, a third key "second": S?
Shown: {"hour": 12, "minute": 14, "second": 21}
